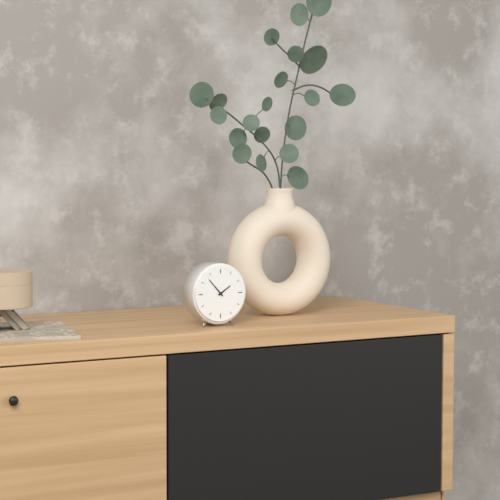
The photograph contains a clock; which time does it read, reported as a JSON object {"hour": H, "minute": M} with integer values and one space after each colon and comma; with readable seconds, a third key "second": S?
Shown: {"hour": 1, "minute": 53}
